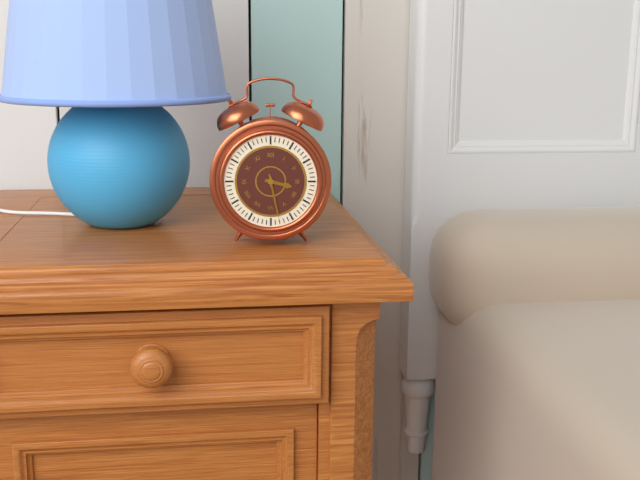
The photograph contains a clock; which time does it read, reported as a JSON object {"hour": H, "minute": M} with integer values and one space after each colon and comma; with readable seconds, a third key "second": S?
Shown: {"hour": 3, "minute": 28}
